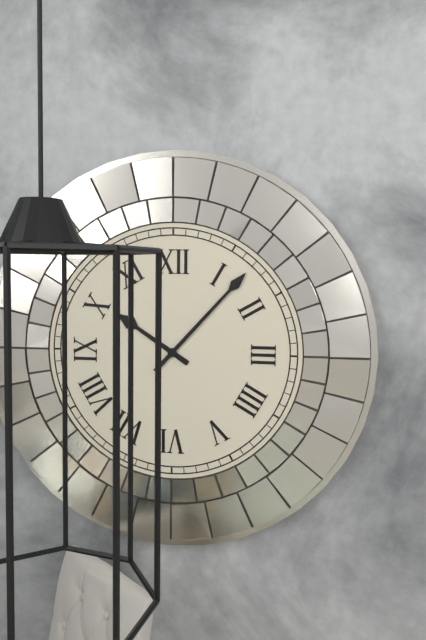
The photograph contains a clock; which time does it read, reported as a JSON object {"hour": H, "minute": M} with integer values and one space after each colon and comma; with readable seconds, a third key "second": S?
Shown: {"hour": 10, "minute": 7}
